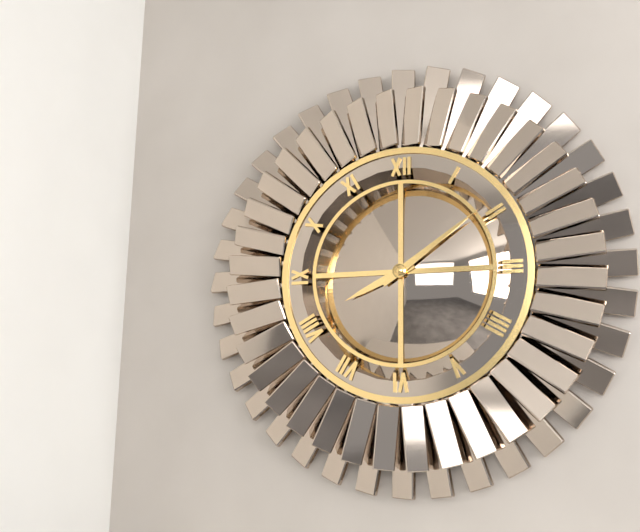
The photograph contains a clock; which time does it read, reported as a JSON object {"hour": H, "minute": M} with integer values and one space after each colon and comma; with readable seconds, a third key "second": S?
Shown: {"hour": 8, "minute": 9}
